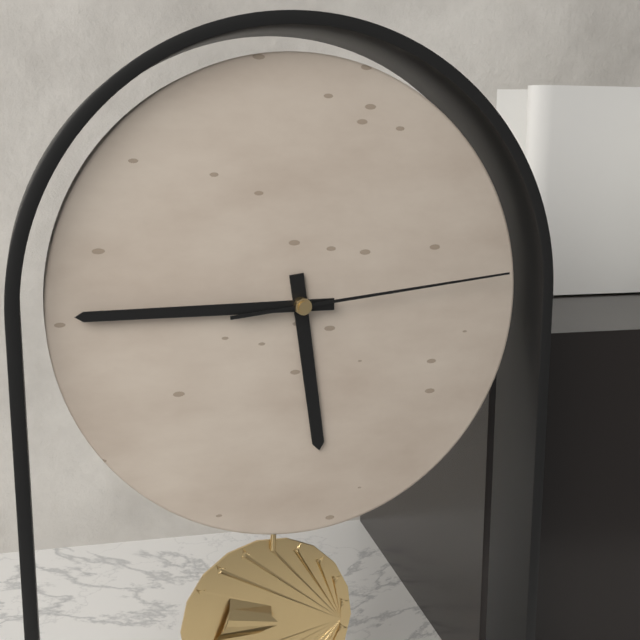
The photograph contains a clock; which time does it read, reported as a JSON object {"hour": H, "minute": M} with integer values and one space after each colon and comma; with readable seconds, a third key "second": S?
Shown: {"hour": 5, "minute": 45, "second": 14}
